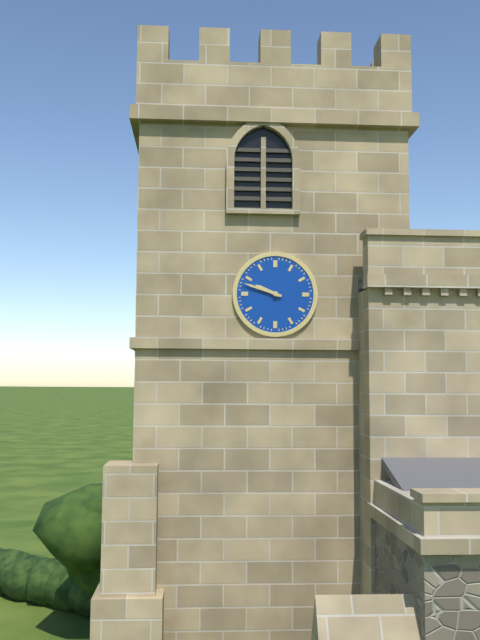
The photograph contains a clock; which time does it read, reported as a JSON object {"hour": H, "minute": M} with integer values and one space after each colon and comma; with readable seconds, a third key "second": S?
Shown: {"hour": 9, "minute": 48}
